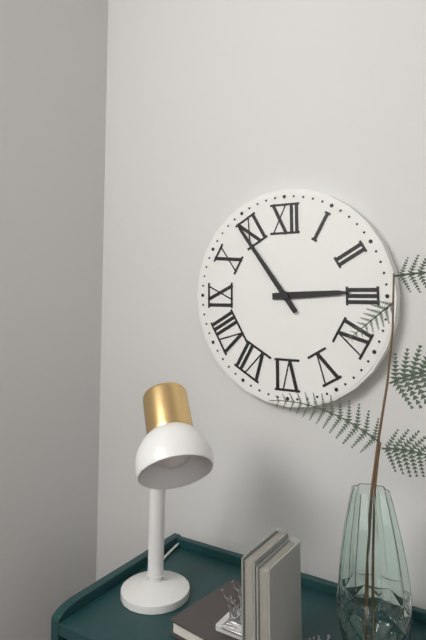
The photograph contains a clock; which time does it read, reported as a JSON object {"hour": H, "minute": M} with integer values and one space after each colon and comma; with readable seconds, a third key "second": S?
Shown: {"hour": 2, "minute": 54}
